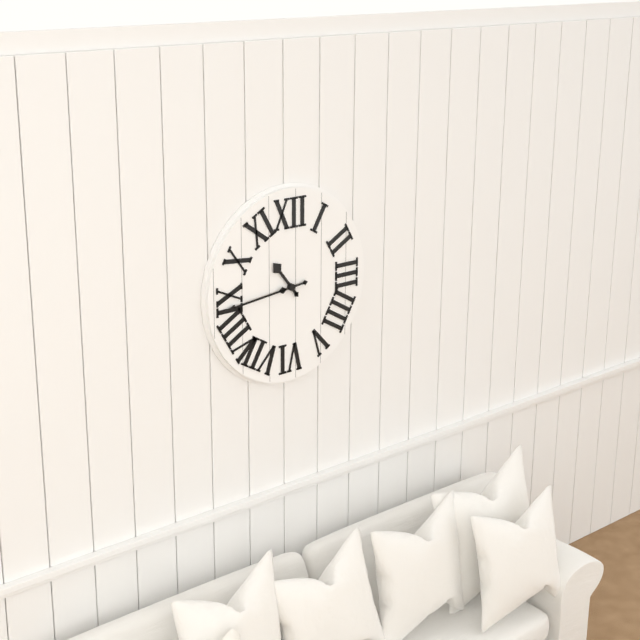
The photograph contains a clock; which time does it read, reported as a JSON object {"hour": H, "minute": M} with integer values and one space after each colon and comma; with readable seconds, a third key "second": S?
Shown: {"hour": 10, "minute": 44}
